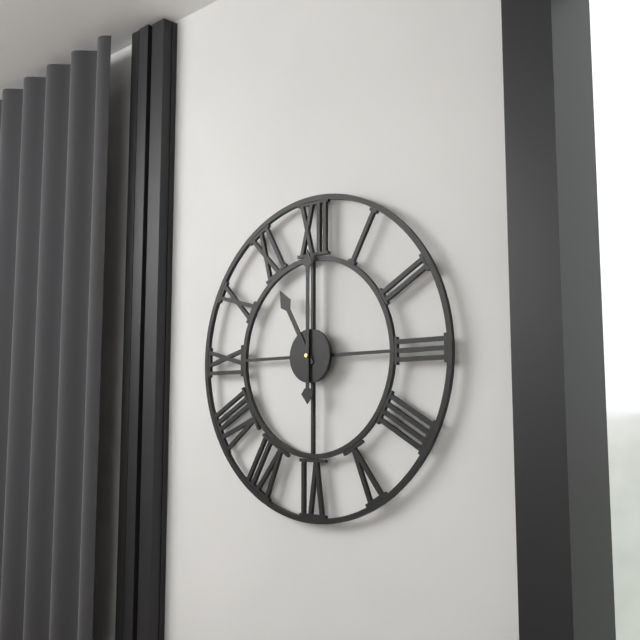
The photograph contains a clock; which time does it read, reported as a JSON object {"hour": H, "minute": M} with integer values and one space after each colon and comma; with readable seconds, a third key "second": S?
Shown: {"hour": 11, "minute": 0}
